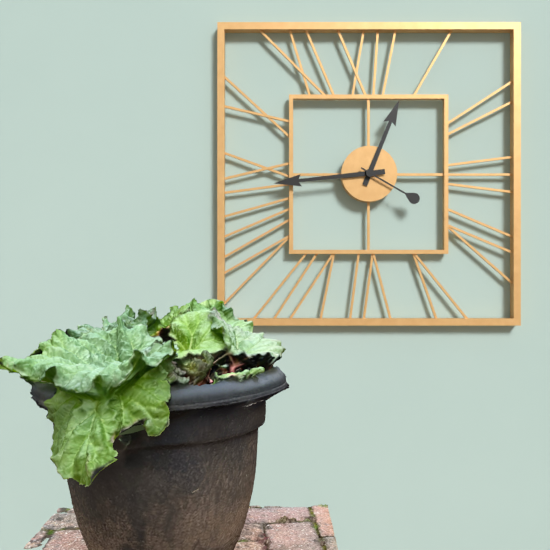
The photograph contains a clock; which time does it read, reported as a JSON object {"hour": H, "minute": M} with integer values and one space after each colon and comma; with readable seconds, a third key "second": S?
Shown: {"hour": 12, "minute": 44, "second": 20}
